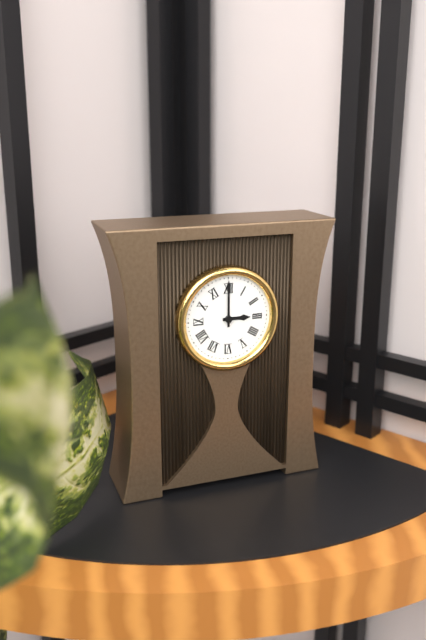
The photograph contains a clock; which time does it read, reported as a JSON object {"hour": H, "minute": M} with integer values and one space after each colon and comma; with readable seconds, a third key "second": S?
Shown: {"hour": 3, "minute": 0}
